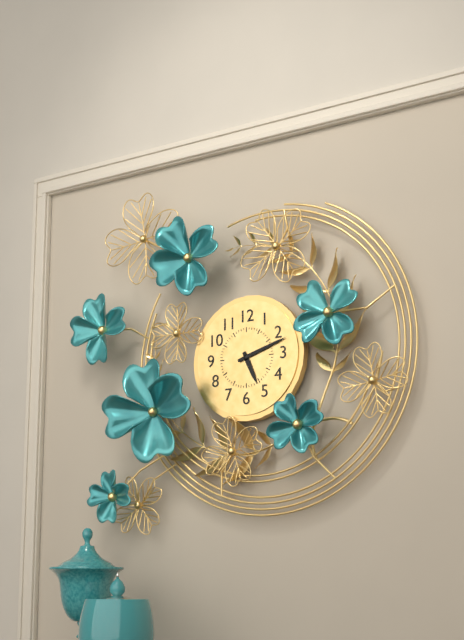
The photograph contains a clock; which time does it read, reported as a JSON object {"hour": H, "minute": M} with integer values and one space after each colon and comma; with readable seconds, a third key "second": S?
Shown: {"hour": 5, "minute": 12}
